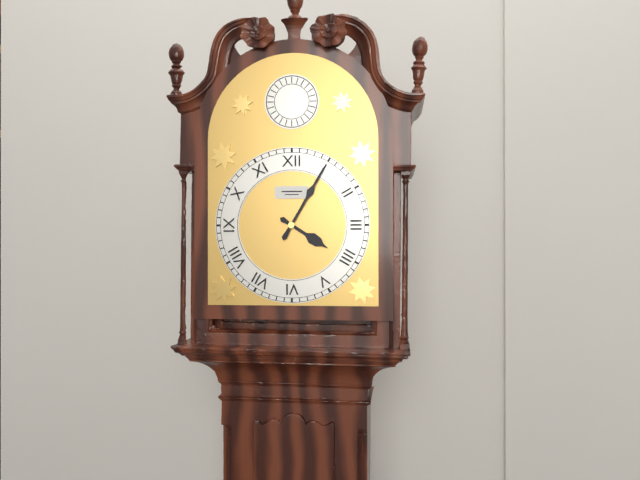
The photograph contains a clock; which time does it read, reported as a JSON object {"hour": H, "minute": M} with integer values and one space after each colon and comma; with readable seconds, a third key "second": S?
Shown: {"hour": 4, "minute": 5}
